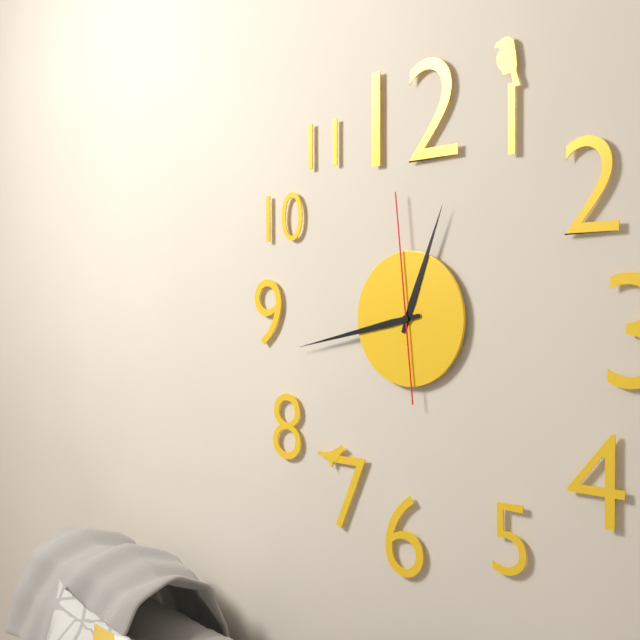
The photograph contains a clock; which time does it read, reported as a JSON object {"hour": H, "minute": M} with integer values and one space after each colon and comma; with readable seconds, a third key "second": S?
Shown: {"hour": 12, "minute": 43, "second": 59}
